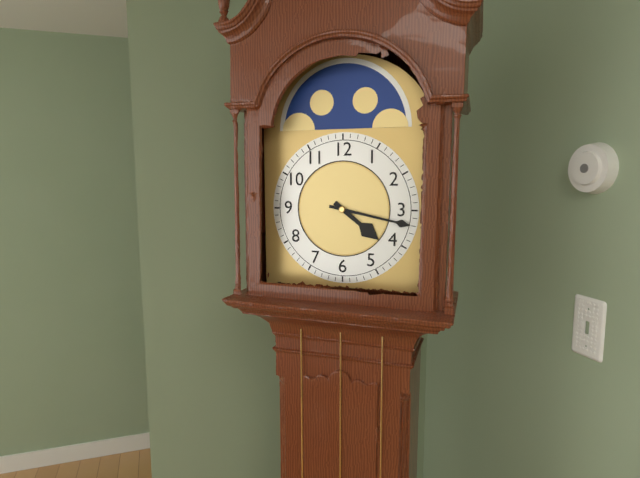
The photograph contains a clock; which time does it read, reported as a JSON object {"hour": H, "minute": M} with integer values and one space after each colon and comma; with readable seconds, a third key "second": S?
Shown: {"hour": 4, "minute": 17}
